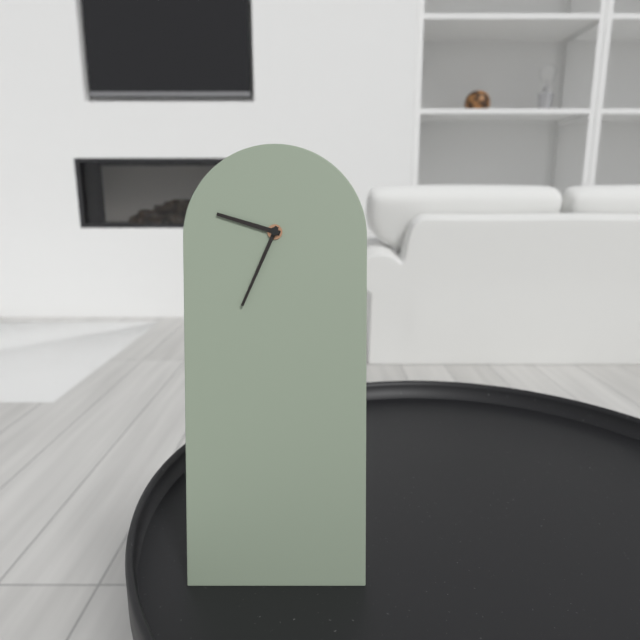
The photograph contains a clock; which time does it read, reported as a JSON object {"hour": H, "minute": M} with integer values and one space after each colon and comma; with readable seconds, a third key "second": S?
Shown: {"hour": 9, "minute": 34}
